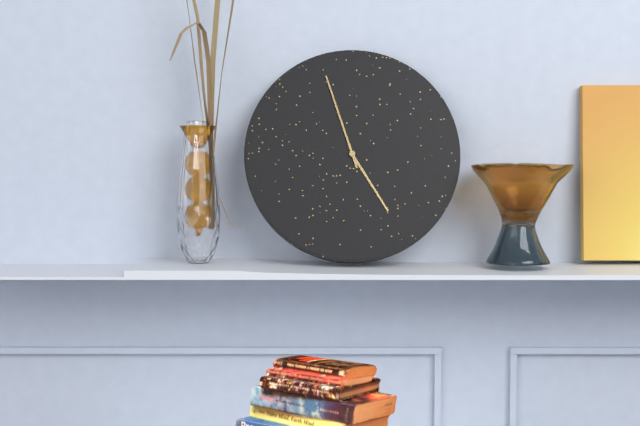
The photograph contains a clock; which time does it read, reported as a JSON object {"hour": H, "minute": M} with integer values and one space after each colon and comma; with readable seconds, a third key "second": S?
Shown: {"hour": 4, "minute": 57}
